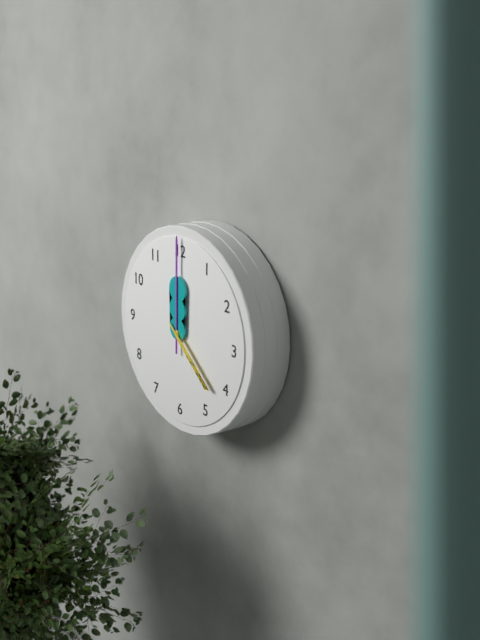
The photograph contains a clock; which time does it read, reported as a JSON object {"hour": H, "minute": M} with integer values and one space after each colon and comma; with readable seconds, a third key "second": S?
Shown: {"hour": 12, "minute": 0, "second": 22}
